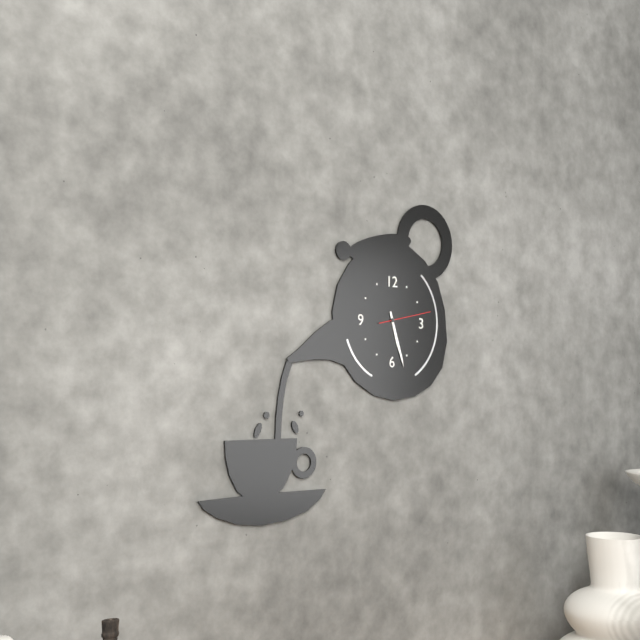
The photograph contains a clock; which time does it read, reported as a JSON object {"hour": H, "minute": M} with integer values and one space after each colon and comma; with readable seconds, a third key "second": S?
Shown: {"hour": 5, "minute": 27}
